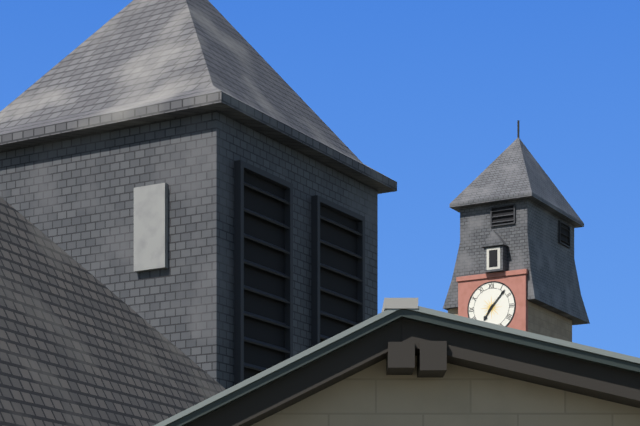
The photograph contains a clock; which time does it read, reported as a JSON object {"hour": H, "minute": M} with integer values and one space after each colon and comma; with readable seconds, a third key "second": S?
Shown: {"hour": 7, "minute": 7}
